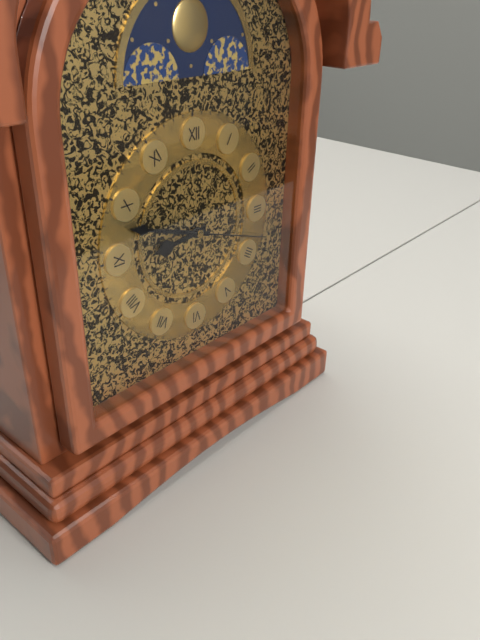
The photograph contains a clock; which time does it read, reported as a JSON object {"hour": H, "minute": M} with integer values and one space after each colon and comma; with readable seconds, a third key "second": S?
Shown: {"hour": 8, "minute": 48, "second": 18}
